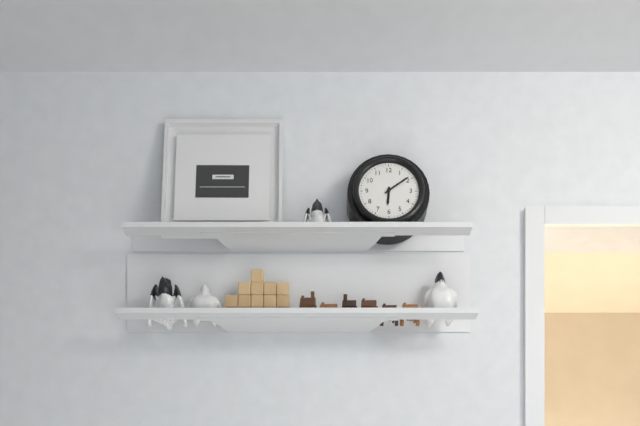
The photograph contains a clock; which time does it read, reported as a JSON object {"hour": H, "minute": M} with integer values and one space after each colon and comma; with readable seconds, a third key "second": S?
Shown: {"hour": 6, "minute": 9}
